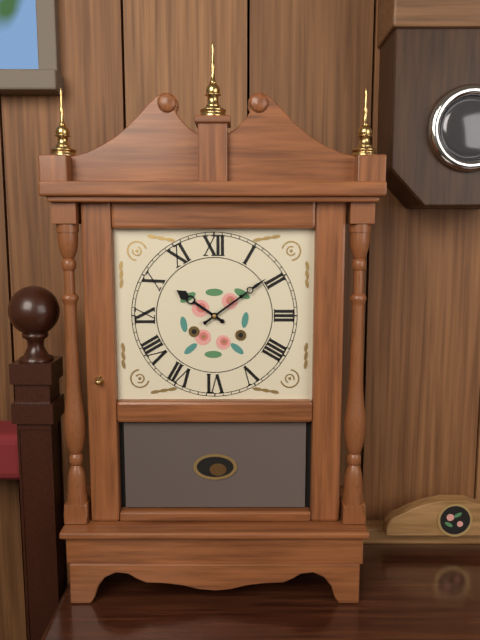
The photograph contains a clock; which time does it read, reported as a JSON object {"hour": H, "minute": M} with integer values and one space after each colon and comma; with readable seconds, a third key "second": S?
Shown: {"hour": 10, "minute": 9}
